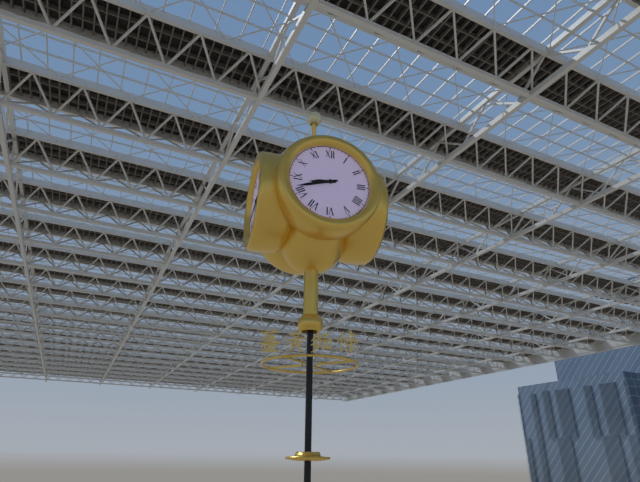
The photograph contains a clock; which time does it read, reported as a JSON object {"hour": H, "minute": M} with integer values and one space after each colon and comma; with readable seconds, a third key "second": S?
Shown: {"hour": 8, "minute": 42}
